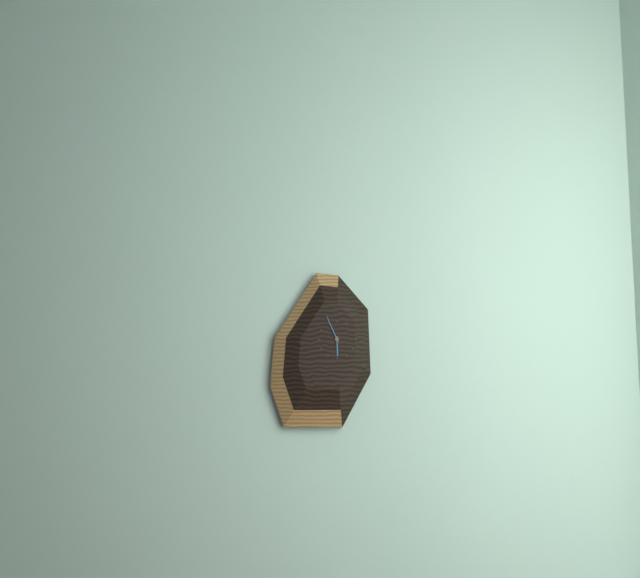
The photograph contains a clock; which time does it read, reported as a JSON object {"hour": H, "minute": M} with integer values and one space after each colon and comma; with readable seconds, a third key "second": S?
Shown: {"hour": 5, "minute": 56}
